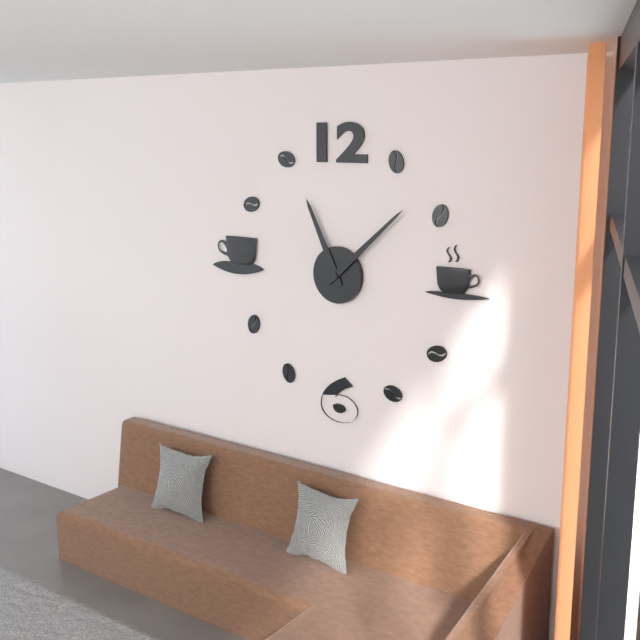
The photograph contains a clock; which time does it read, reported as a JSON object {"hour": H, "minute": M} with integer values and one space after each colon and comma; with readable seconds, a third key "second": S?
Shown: {"hour": 11, "minute": 8}
